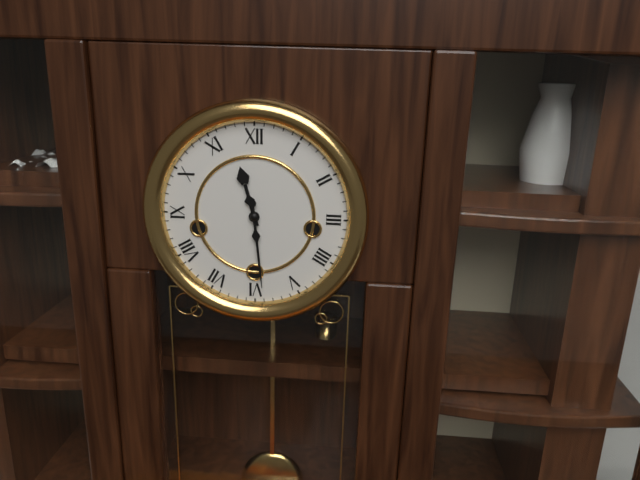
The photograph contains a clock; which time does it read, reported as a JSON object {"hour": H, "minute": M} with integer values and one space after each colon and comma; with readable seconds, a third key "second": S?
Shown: {"hour": 11, "minute": 29}
